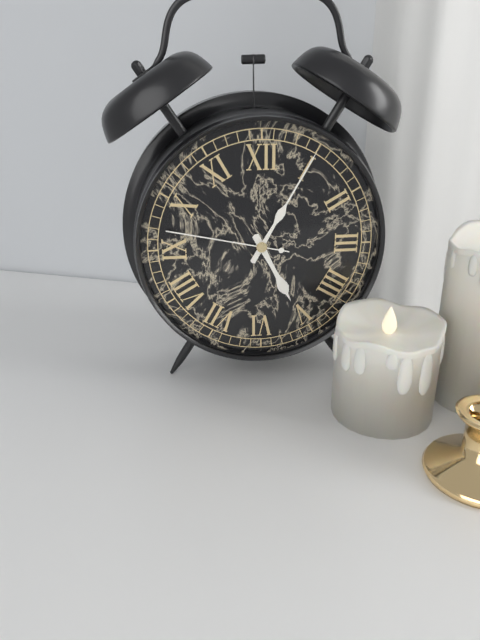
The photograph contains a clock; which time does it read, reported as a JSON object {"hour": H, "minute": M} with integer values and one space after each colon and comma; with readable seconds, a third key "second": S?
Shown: {"hour": 5, "minute": 5, "second": 47}
